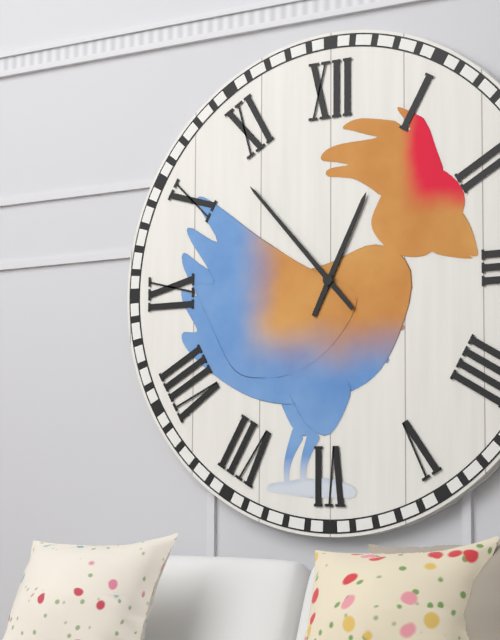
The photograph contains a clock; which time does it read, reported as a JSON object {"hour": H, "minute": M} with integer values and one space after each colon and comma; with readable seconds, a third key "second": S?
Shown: {"hour": 12, "minute": 53}
